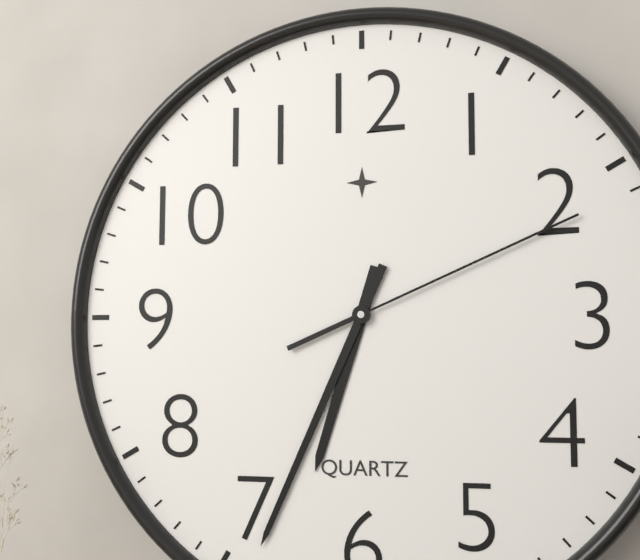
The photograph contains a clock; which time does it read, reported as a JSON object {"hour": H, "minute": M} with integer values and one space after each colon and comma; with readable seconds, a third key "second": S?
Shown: {"hour": 6, "minute": 34, "second": 11}
